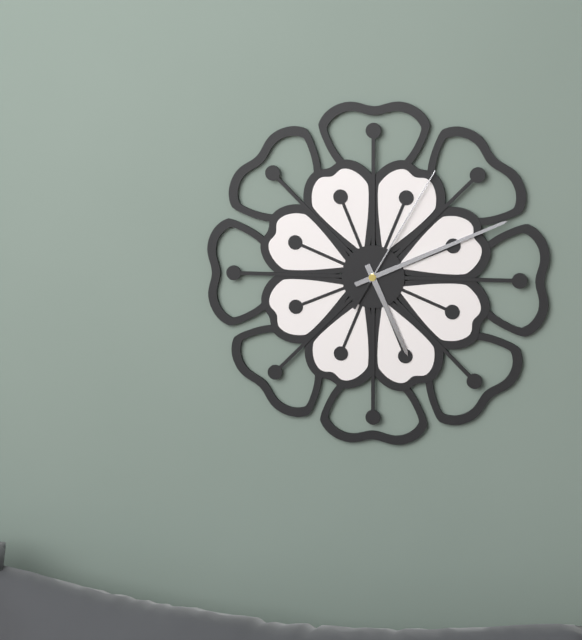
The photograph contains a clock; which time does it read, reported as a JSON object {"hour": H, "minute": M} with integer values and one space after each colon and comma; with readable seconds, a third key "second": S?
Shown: {"hour": 5, "minute": 11, "second": 5}
